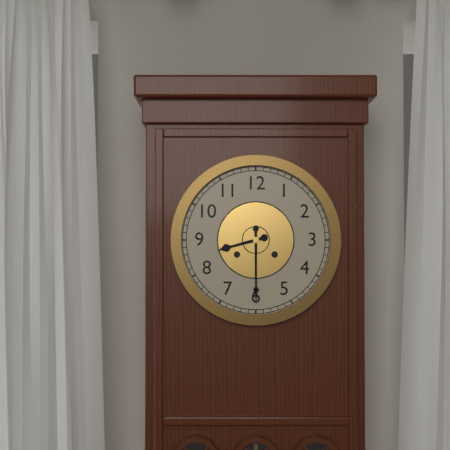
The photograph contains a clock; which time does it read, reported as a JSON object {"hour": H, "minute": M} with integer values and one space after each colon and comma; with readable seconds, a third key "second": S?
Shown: {"hour": 8, "minute": 30}
